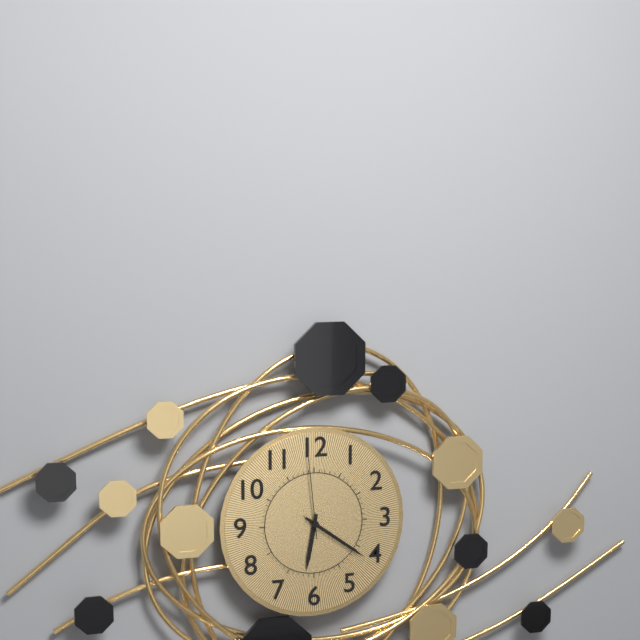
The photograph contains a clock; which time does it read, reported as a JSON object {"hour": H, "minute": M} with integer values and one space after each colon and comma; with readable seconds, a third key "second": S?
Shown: {"hour": 6, "minute": 21, "second": 59}
